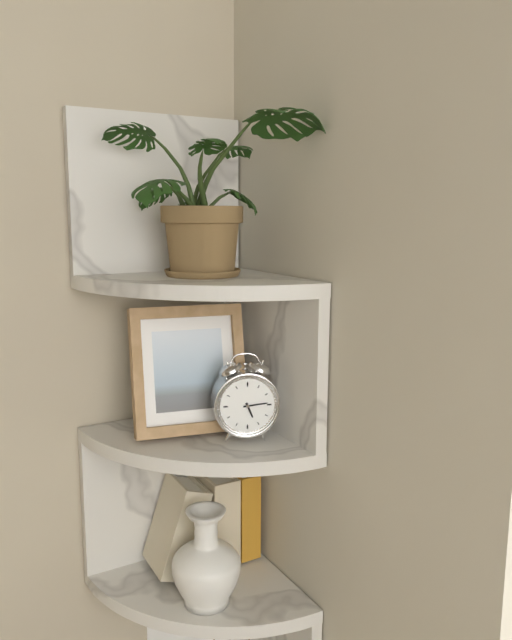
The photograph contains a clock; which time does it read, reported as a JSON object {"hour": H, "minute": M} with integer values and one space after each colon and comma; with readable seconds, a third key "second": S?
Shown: {"hour": 5, "minute": 14}
